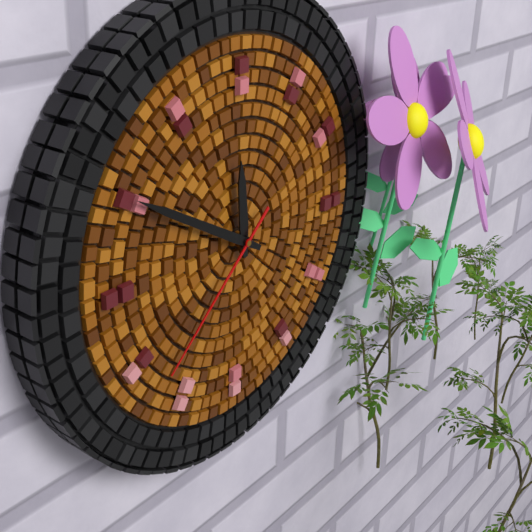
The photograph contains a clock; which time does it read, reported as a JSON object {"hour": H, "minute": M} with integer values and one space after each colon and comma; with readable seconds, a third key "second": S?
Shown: {"hour": 11, "minute": 50, "second": 38}
